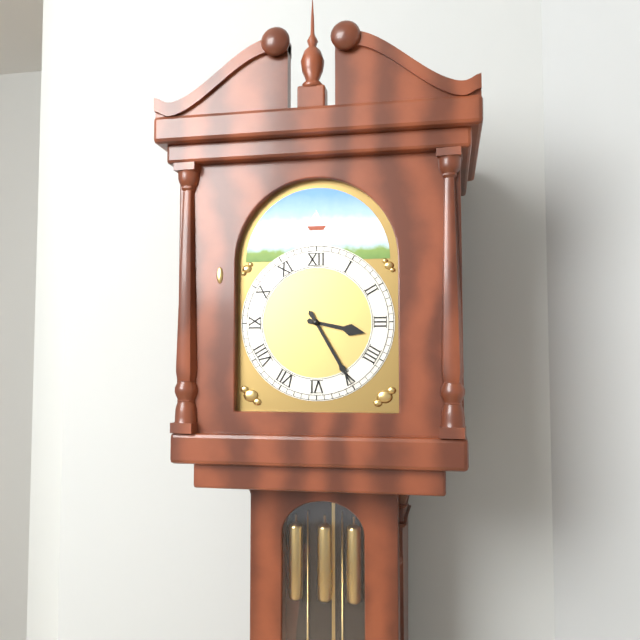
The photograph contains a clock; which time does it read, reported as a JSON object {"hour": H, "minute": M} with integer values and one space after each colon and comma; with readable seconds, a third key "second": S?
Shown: {"hour": 3, "minute": 25}
